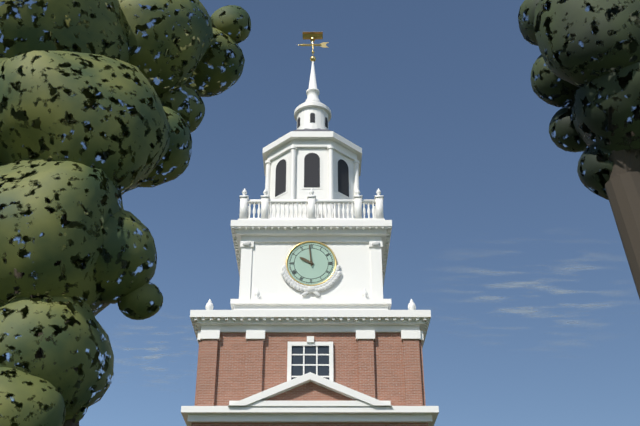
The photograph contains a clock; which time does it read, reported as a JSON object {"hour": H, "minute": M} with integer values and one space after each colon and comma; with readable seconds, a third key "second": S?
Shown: {"hour": 9, "minute": 59}
